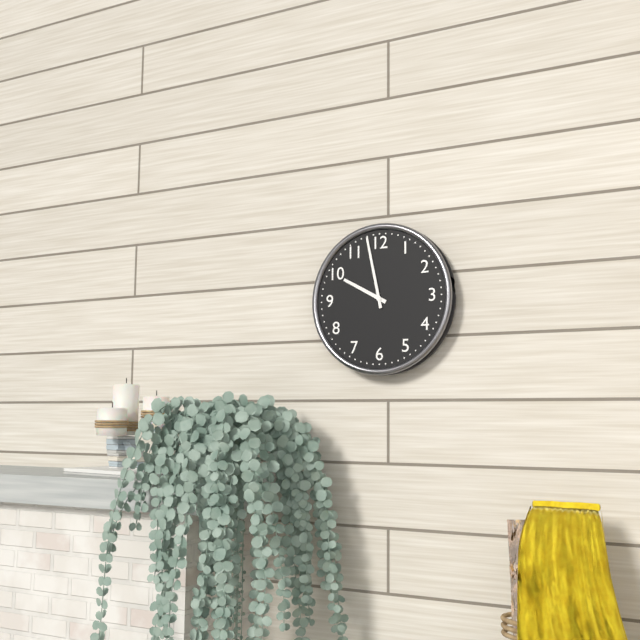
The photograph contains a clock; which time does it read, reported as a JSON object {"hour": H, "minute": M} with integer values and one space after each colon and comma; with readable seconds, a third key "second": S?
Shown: {"hour": 9, "minute": 58}
